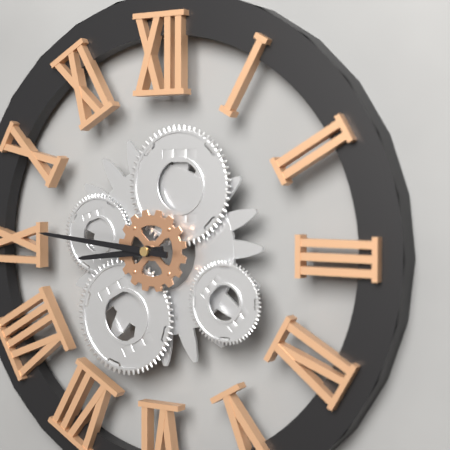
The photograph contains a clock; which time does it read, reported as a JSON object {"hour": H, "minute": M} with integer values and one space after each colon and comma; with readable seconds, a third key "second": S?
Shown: {"hour": 8, "minute": 46}
